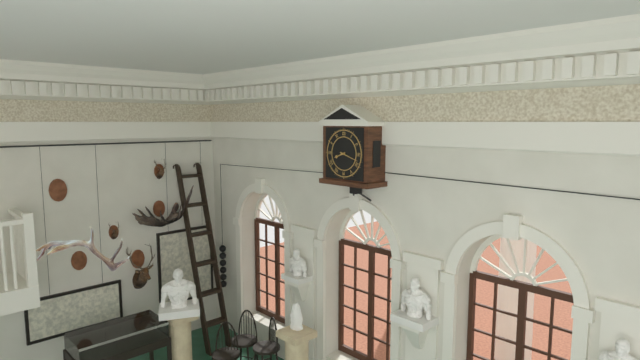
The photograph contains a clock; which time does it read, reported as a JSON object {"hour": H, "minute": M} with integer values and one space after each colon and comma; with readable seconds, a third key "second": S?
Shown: {"hour": 8, "minute": 18}
